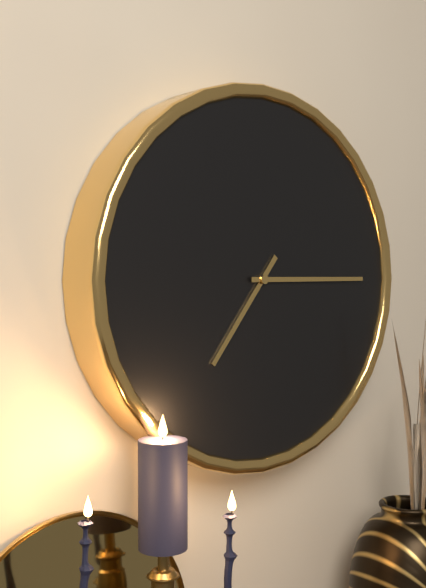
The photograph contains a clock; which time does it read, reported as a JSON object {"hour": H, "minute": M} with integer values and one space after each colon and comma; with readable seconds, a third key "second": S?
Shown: {"hour": 7, "minute": 15}
